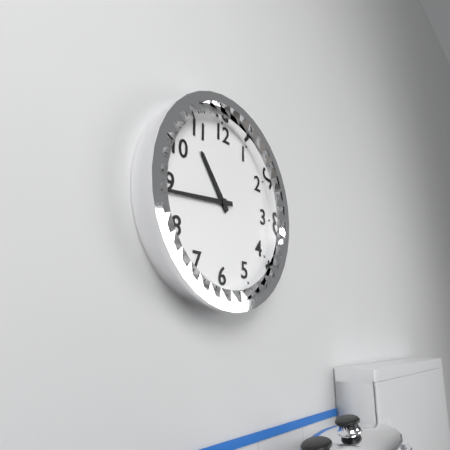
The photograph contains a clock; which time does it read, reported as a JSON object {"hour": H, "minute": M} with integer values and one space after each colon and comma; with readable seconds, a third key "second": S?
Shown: {"hour": 10, "minute": 44}
